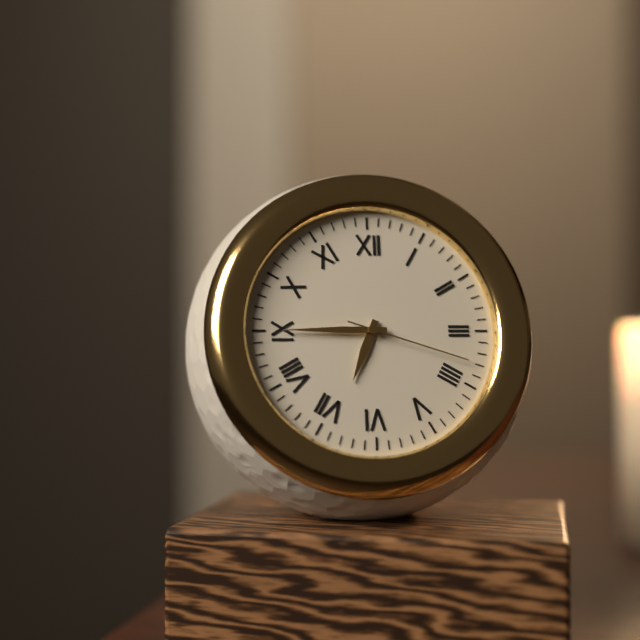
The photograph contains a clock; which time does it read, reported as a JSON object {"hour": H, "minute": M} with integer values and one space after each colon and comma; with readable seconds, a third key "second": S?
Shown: {"hour": 6, "minute": 45, "second": 18}
